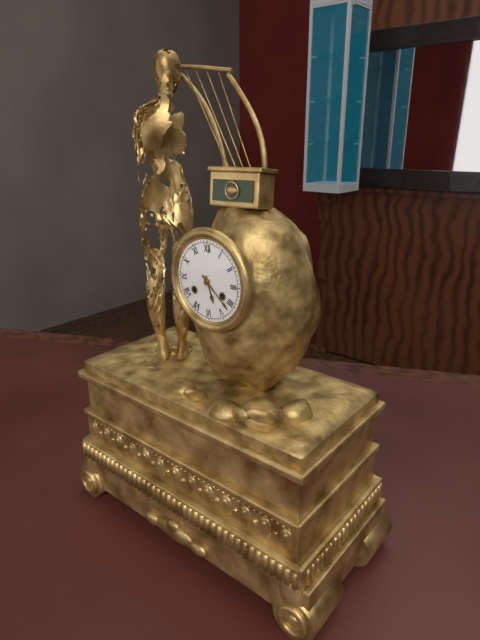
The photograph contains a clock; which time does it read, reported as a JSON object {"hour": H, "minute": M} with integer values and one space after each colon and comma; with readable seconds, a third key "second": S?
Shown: {"hour": 5, "minute": 22}
